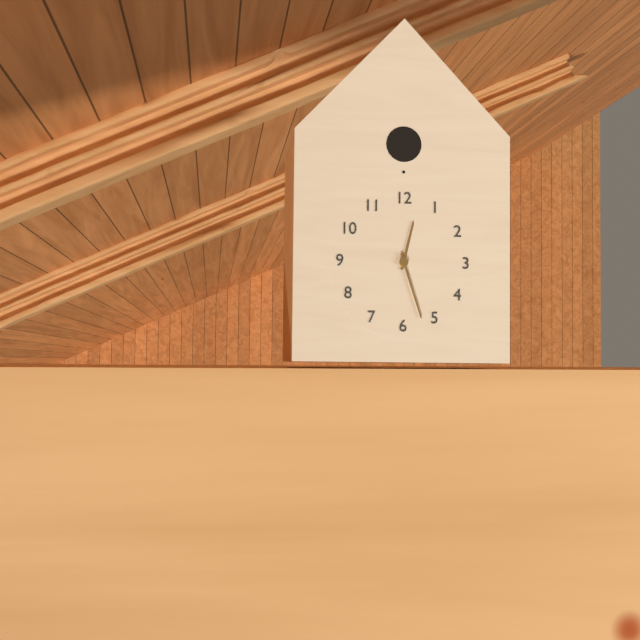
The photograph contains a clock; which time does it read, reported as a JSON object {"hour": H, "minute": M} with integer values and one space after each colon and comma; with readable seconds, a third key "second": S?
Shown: {"hour": 12, "minute": 27}
